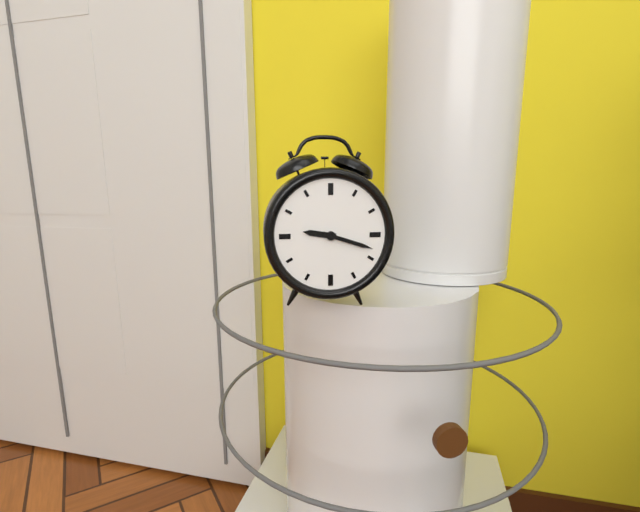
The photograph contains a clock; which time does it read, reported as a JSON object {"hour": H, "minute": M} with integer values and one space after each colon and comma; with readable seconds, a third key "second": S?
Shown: {"hour": 9, "minute": 18}
